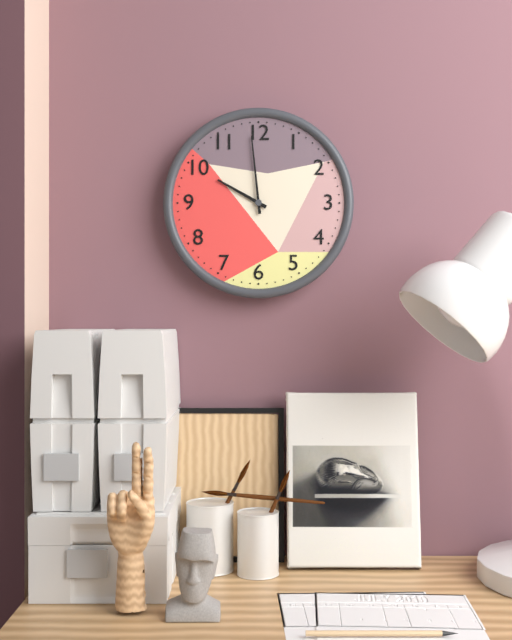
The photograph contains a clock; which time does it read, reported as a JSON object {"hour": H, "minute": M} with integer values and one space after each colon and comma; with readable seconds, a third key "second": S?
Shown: {"hour": 9, "minute": 59}
